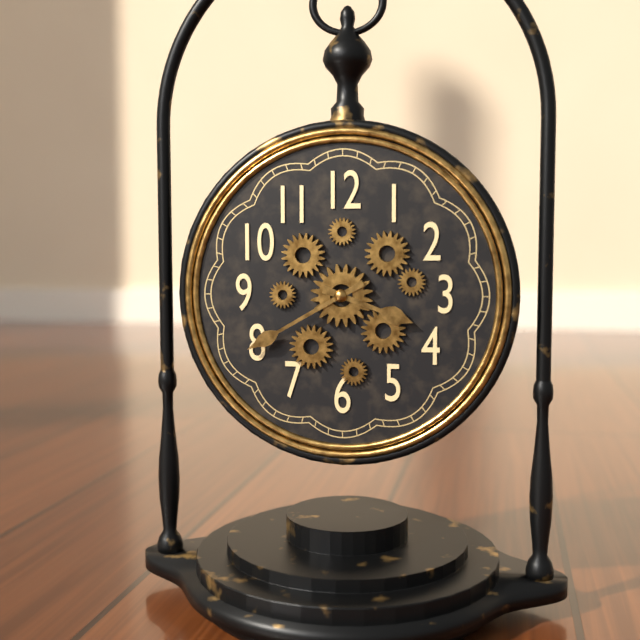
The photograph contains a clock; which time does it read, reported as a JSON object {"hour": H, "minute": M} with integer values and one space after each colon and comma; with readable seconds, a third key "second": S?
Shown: {"hour": 3, "minute": 40}
